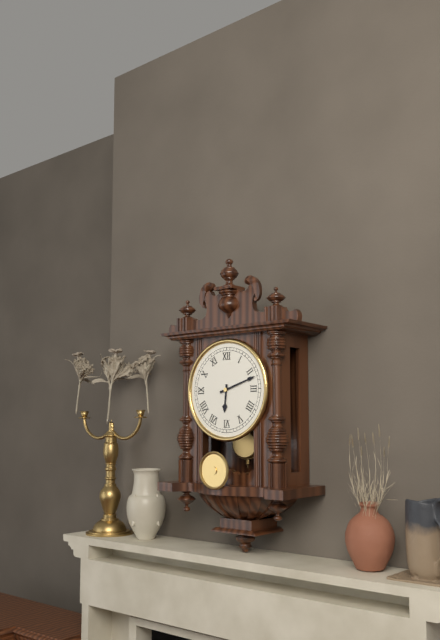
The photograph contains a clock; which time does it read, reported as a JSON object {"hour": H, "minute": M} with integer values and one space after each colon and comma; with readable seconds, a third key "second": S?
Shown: {"hour": 6, "minute": 12}
